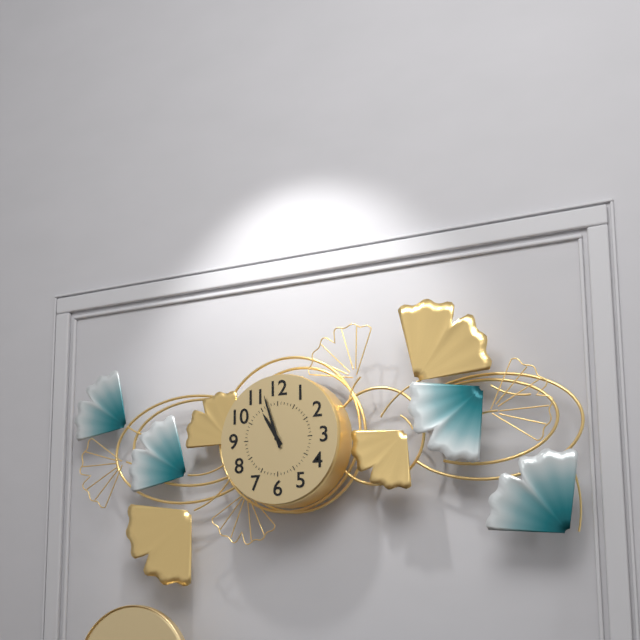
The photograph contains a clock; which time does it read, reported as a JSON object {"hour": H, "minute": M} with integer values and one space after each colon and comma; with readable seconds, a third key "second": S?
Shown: {"hour": 10, "minute": 57}
